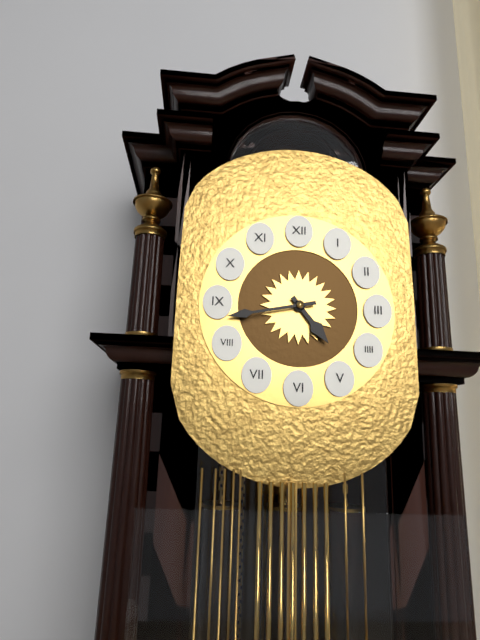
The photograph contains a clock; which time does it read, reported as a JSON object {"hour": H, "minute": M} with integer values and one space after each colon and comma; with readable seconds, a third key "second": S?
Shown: {"hour": 4, "minute": 43}
